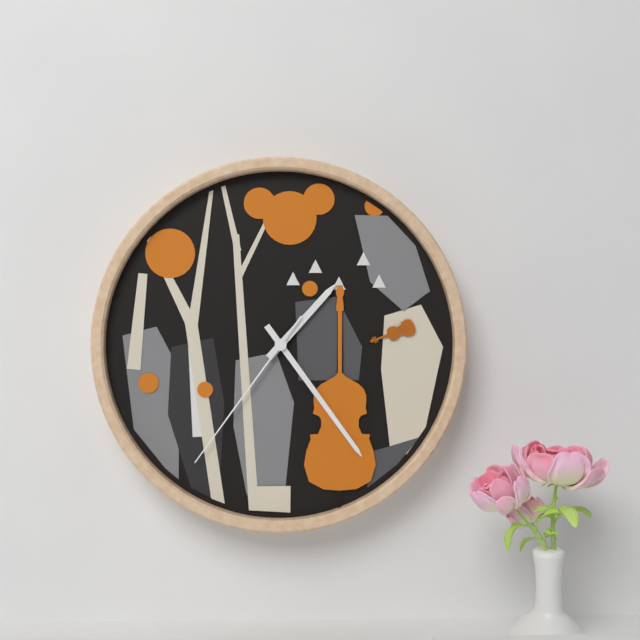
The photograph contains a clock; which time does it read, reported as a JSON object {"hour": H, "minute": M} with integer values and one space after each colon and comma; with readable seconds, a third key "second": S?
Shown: {"hour": 1, "minute": 24, "second": 36}
